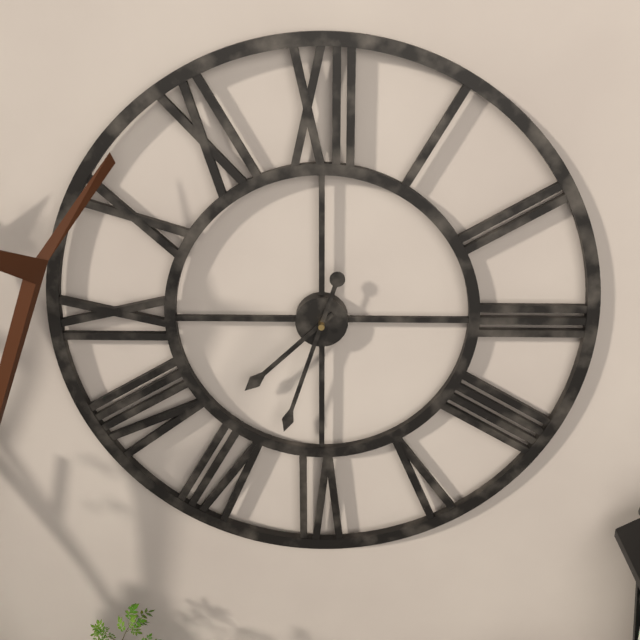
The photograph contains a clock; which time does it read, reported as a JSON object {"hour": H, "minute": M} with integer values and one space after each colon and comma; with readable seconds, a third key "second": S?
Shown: {"hour": 7, "minute": 33}
